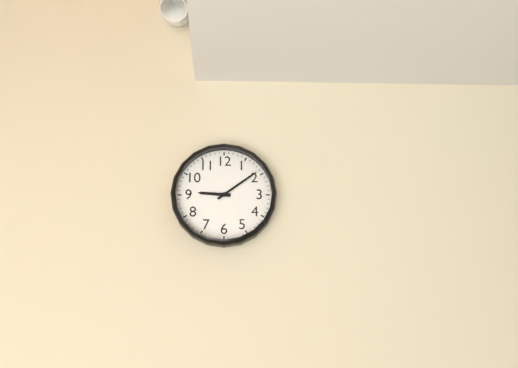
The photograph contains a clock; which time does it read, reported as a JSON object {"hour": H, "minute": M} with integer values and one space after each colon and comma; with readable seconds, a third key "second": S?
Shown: {"hour": 9, "minute": 9}
